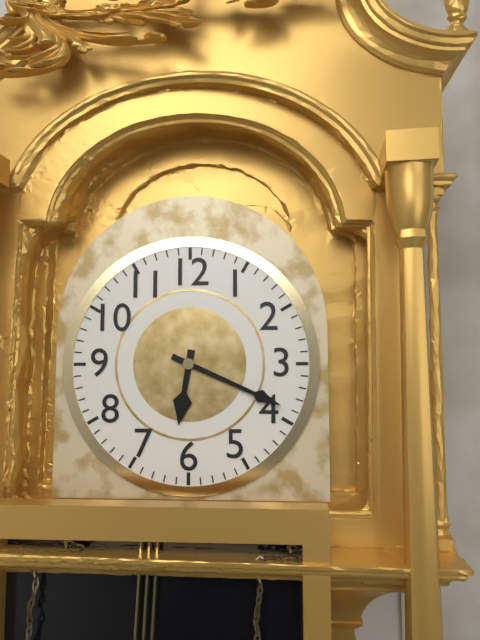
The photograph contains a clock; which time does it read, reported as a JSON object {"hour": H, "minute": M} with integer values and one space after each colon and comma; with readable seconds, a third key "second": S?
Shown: {"hour": 6, "minute": 19}
